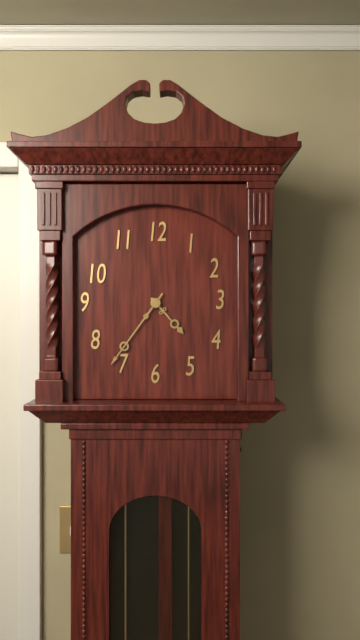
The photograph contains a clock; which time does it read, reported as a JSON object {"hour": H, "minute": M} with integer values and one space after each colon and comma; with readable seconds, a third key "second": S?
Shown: {"hour": 4, "minute": 36}
